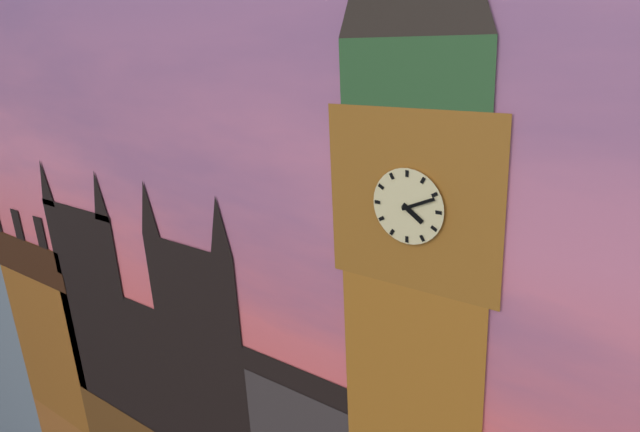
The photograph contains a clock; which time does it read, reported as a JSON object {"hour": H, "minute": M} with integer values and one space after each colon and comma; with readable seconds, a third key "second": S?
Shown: {"hour": 4, "minute": 11}
